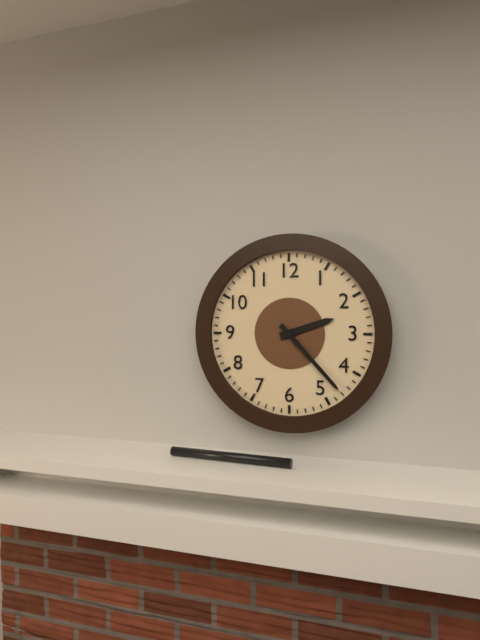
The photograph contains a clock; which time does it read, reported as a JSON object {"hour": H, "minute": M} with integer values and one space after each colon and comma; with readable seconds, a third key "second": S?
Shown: {"hour": 2, "minute": 23}
